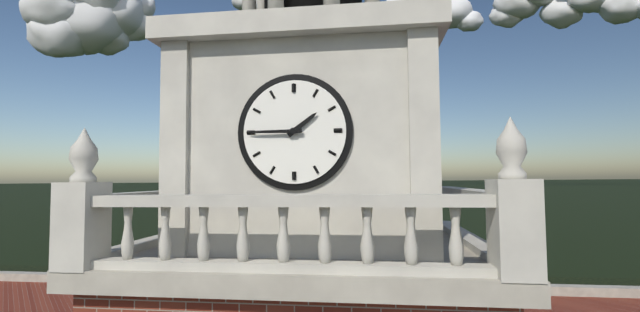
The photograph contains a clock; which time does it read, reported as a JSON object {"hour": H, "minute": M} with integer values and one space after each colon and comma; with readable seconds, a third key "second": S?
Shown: {"hour": 1, "minute": 45}
